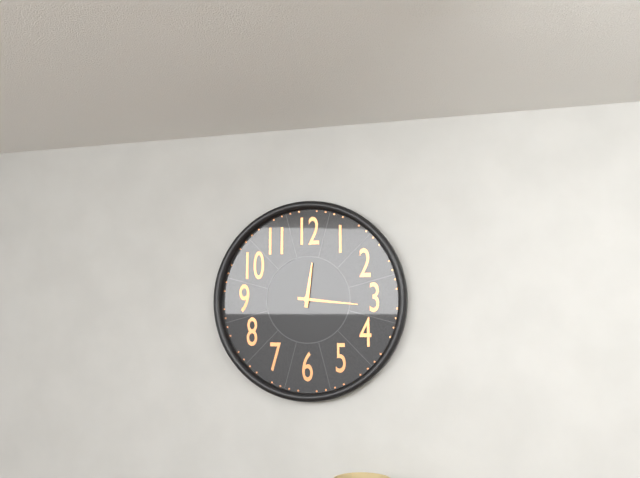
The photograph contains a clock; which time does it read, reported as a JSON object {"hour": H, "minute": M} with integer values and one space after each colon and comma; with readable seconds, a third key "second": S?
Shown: {"hour": 12, "minute": 16}
